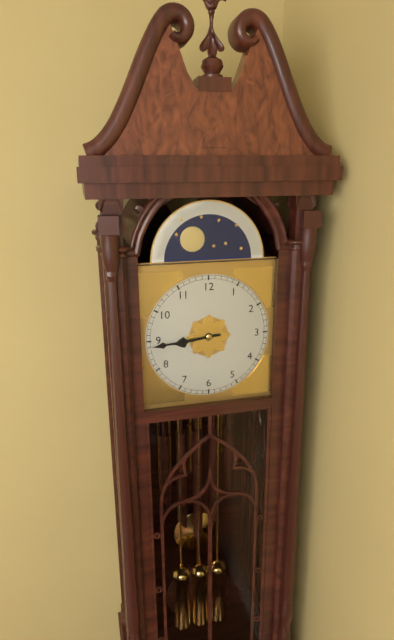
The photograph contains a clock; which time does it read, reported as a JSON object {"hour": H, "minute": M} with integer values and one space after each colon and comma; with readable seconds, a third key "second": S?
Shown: {"hour": 8, "minute": 44}
